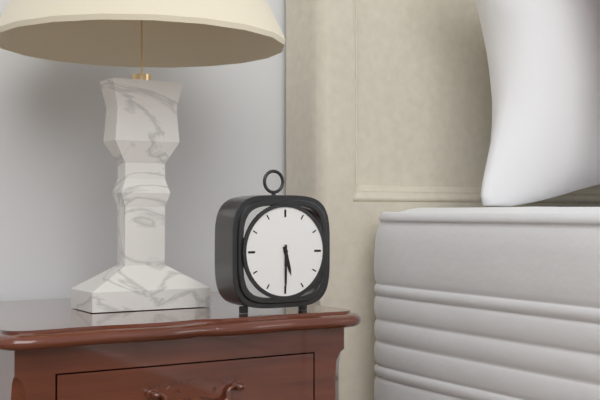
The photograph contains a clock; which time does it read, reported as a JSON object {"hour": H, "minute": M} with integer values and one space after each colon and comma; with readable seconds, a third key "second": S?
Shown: {"hour": 5, "minute": 30}
